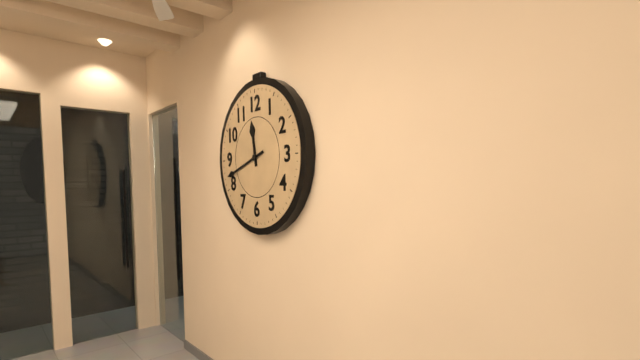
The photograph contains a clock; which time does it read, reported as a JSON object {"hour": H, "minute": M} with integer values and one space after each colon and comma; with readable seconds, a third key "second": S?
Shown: {"hour": 11, "minute": 42}
